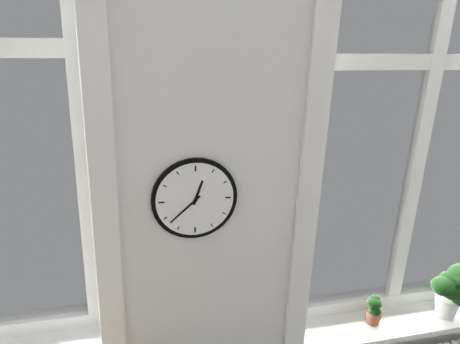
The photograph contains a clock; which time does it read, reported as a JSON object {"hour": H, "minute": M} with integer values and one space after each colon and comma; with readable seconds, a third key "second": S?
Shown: {"hour": 12, "minute": 38}
